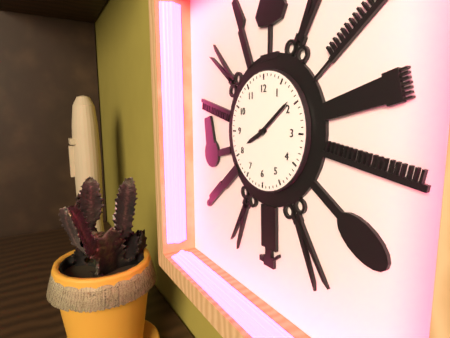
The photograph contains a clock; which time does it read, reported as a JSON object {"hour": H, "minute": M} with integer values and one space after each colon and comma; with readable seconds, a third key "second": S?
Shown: {"hour": 8, "minute": 9}
